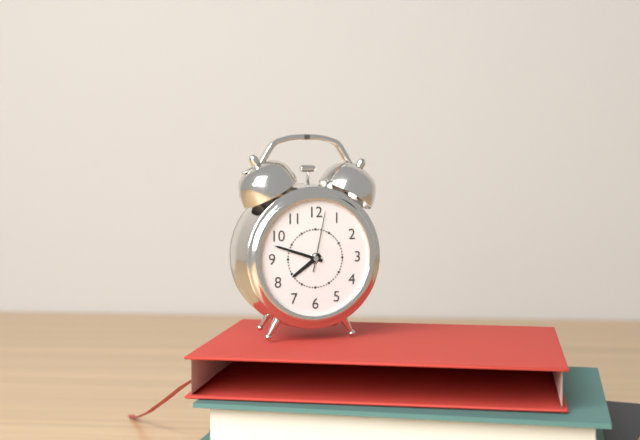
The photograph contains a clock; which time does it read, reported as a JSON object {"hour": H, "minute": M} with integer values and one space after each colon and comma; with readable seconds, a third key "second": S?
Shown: {"hour": 7, "minute": 48, "second": 2}
